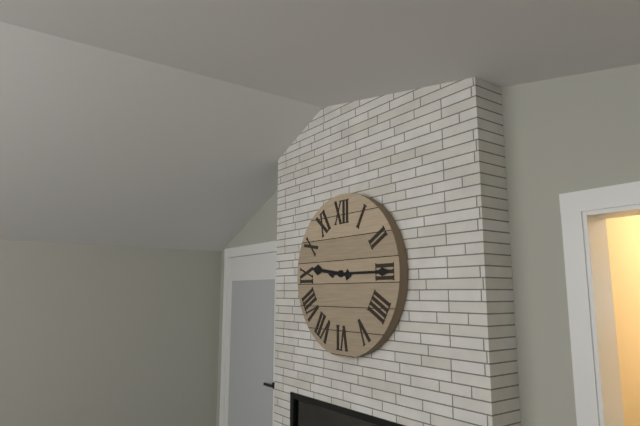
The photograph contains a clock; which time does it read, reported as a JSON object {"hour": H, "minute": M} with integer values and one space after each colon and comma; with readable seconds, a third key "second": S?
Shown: {"hour": 9, "minute": 15}
